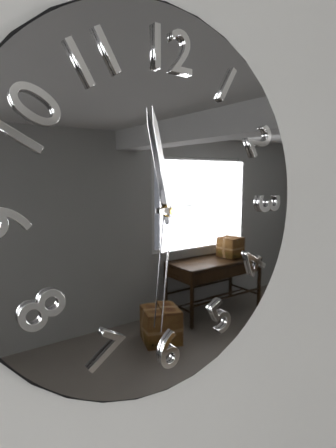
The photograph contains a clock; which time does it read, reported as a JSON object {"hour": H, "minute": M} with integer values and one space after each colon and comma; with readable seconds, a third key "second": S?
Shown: {"hour": 2, "minute": 58, "second": 31}
